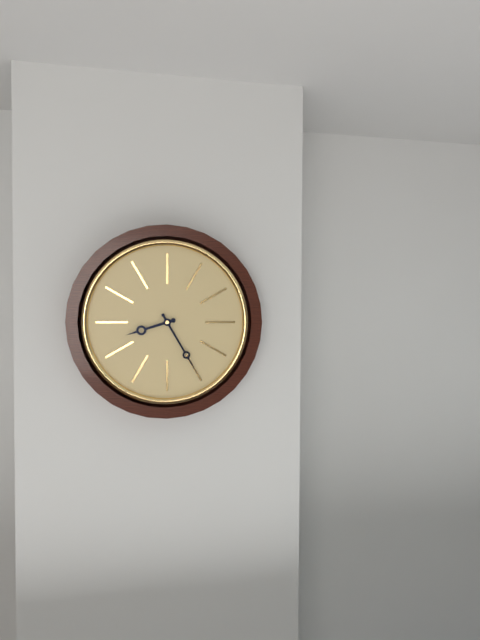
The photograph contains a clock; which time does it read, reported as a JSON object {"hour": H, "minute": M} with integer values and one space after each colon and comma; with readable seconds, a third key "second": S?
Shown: {"hour": 8, "minute": 25}
